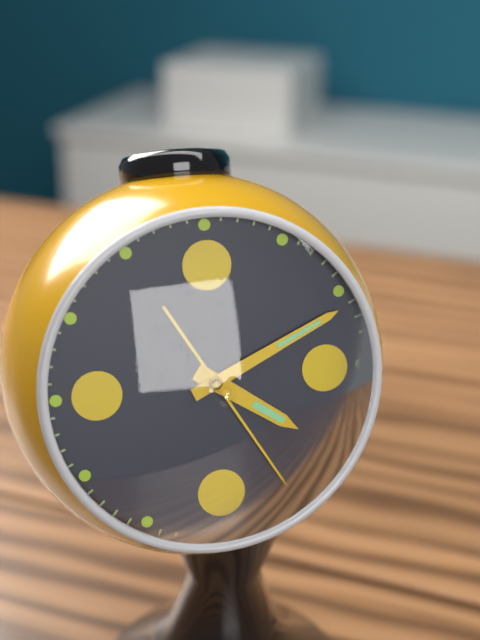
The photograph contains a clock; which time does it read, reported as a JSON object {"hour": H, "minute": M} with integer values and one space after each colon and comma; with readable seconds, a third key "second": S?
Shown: {"hour": 4, "minute": 11, "second": 25}
